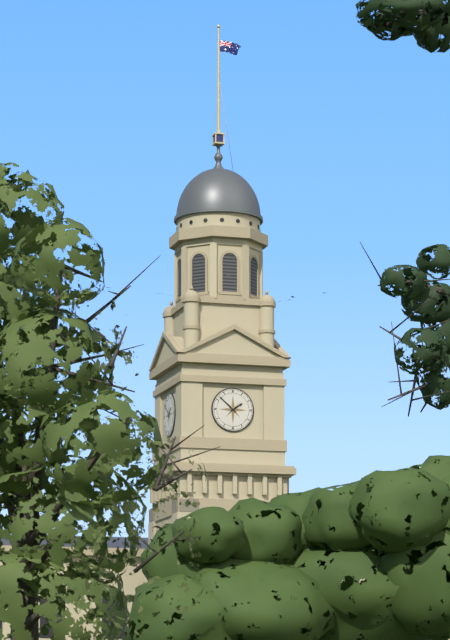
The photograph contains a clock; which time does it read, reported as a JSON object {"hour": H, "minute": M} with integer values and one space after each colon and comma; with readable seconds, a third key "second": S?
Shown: {"hour": 1, "minute": 52}
